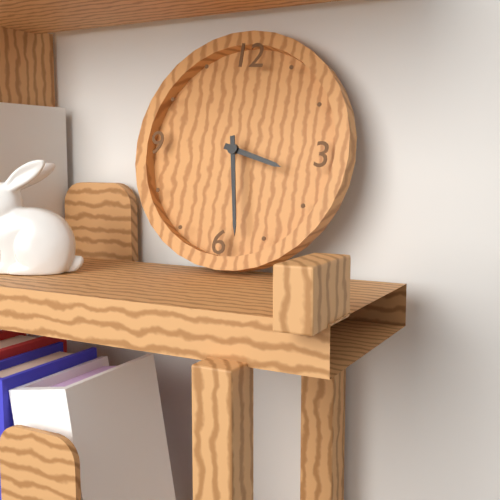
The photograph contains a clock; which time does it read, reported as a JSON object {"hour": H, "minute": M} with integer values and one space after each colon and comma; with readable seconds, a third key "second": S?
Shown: {"hour": 3, "minute": 28}
